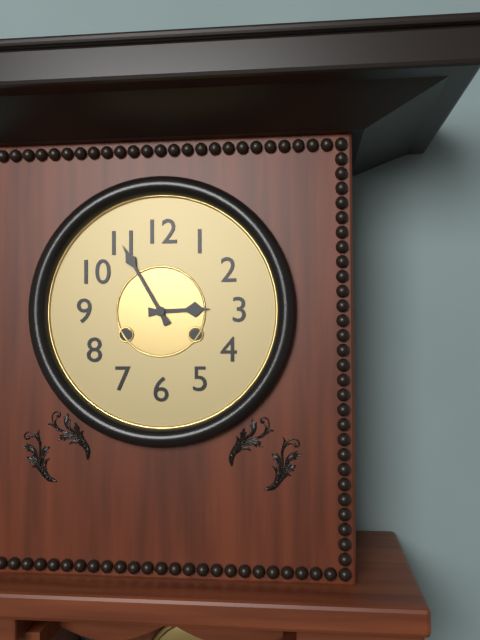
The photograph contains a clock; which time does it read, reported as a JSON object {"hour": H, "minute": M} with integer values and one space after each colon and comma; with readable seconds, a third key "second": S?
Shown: {"hour": 2, "minute": 55}
